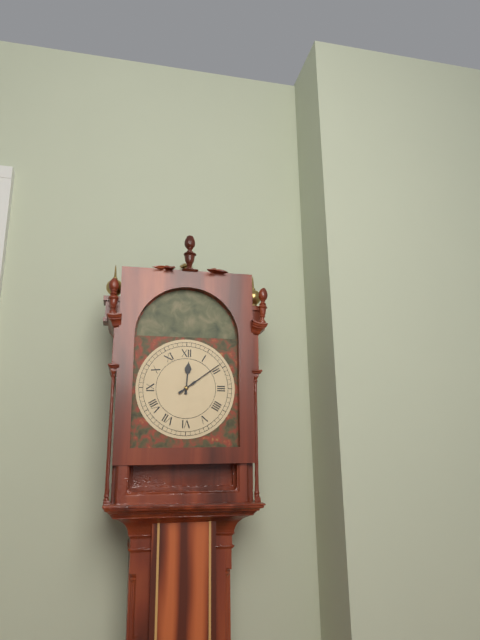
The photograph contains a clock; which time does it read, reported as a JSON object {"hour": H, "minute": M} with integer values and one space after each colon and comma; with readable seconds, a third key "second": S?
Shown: {"hour": 12, "minute": 9}
